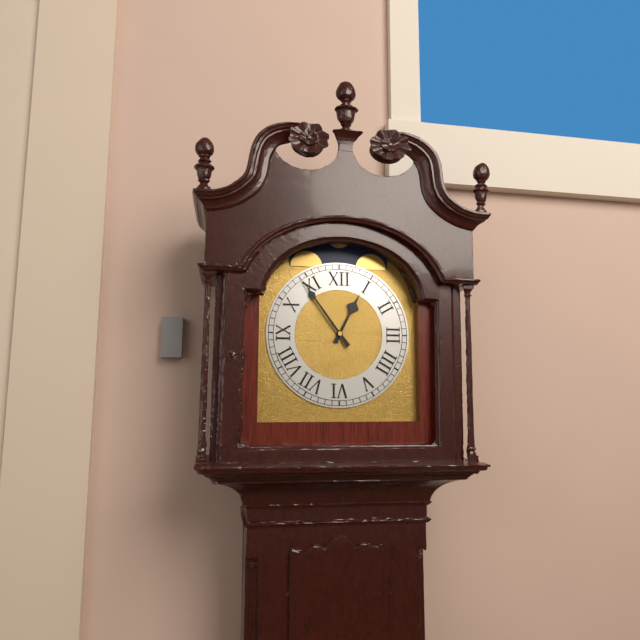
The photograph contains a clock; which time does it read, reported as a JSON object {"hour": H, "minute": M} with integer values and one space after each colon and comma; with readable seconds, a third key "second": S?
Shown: {"hour": 12, "minute": 54}
